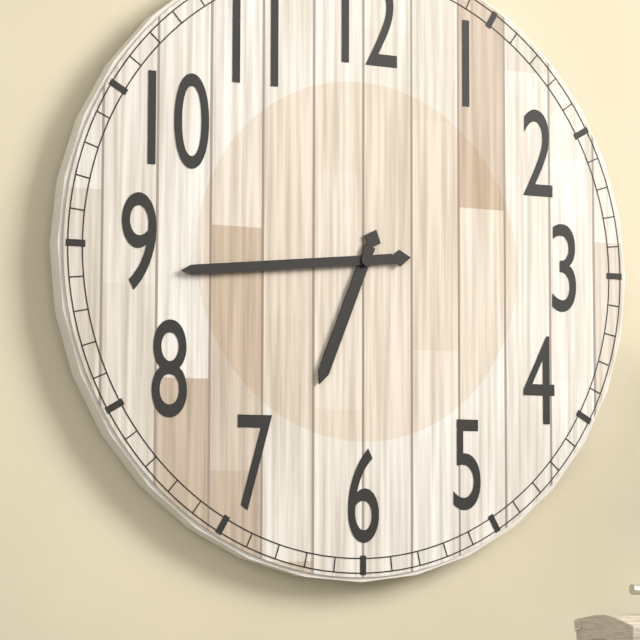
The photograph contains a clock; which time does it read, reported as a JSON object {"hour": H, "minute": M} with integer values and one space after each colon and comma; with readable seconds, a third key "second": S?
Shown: {"hour": 6, "minute": 44}
